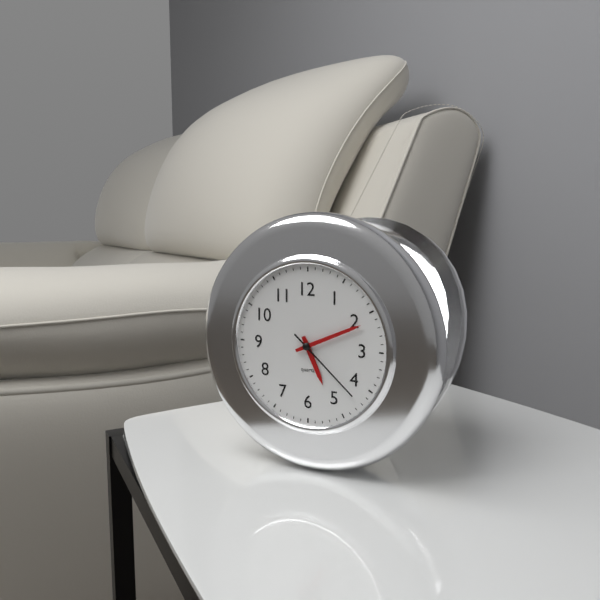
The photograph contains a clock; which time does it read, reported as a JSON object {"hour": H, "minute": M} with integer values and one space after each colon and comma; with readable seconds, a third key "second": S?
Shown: {"hour": 5, "minute": 11, "second": 22}
